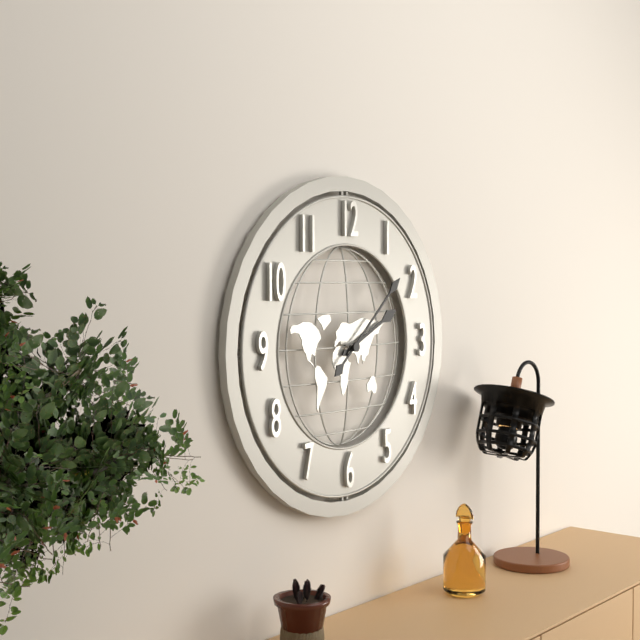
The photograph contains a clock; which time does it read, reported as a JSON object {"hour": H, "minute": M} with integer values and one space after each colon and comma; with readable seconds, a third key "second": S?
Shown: {"hour": 2, "minute": 8}
